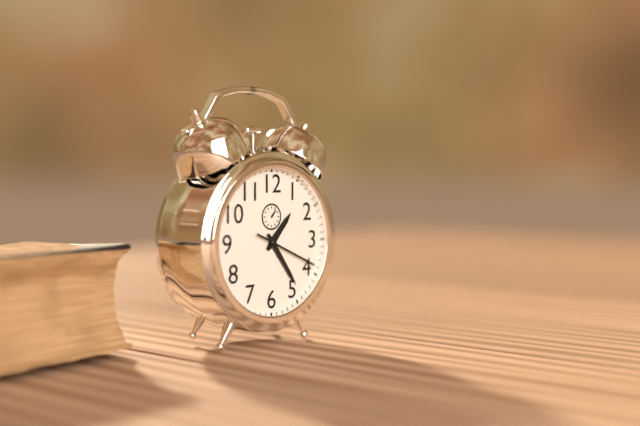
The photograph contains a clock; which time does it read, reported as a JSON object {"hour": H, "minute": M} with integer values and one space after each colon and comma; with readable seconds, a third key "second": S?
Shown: {"hour": 1, "minute": 24, "second": 19}
